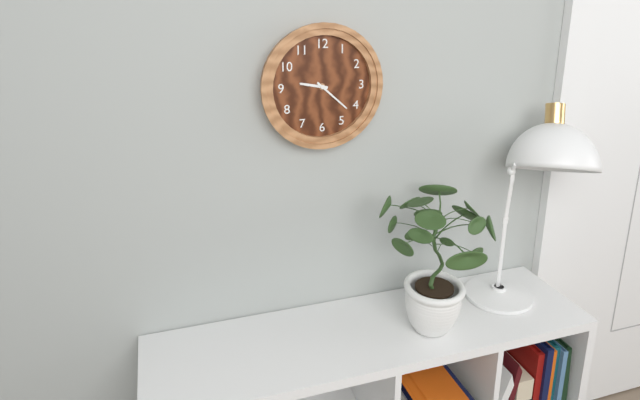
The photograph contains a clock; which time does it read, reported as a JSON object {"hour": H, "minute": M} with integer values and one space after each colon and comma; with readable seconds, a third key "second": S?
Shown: {"hour": 9, "minute": 22}
